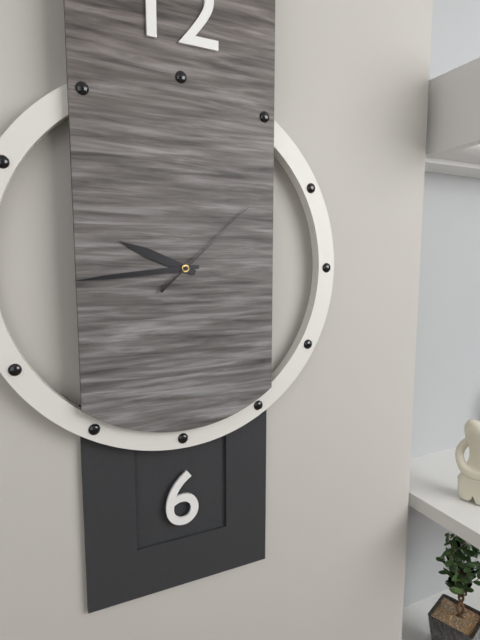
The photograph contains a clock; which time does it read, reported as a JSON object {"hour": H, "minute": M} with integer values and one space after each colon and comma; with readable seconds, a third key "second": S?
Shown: {"hour": 9, "minute": 44, "second": 8}
